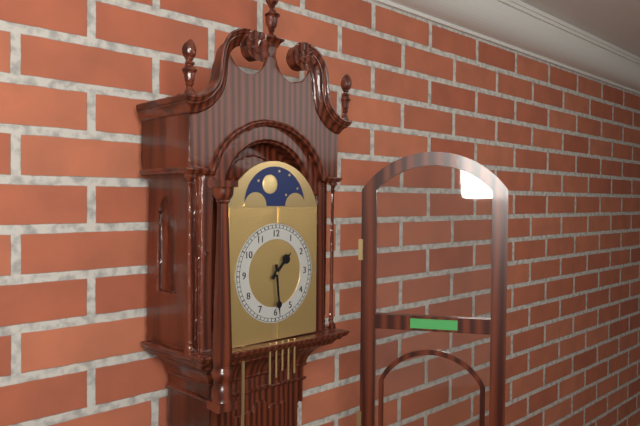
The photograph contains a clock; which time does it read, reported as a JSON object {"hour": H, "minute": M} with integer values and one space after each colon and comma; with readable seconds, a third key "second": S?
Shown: {"hour": 1, "minute": 29}
